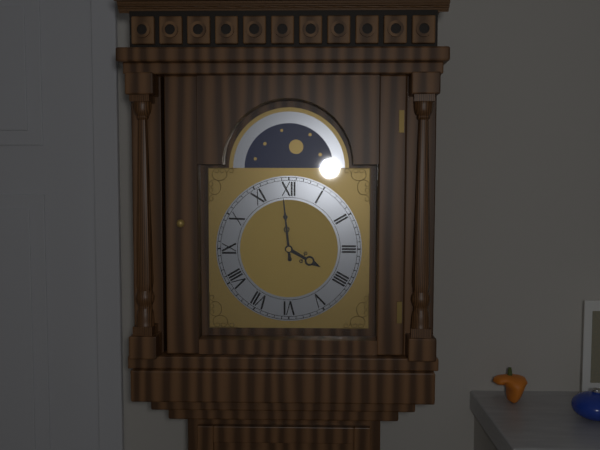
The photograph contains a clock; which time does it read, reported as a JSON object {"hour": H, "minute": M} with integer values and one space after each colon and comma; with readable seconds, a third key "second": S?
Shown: {"hour": 3, "minute": 59}
